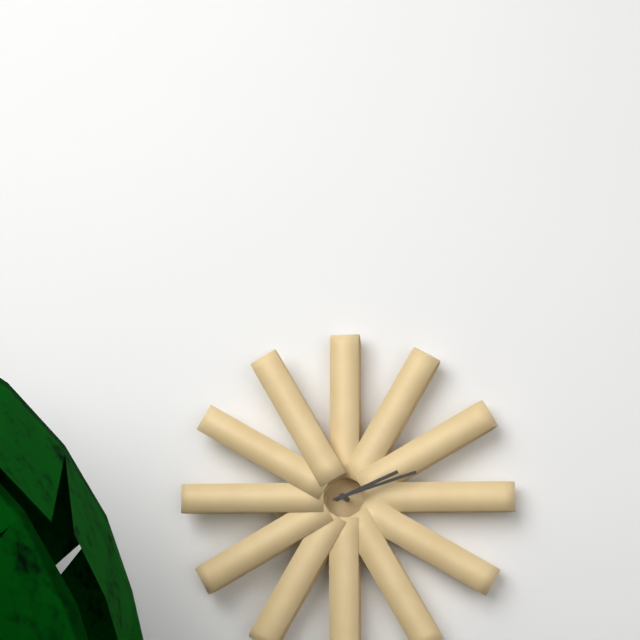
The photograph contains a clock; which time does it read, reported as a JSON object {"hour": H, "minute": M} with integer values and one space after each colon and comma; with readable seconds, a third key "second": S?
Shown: {"hour": 2, "minute": 12}
